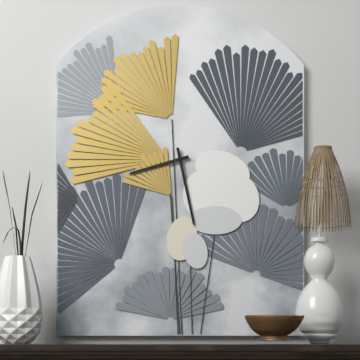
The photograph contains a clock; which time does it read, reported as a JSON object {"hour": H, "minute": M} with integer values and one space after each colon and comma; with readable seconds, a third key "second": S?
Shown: {"hour": 8, "minute": 28}
